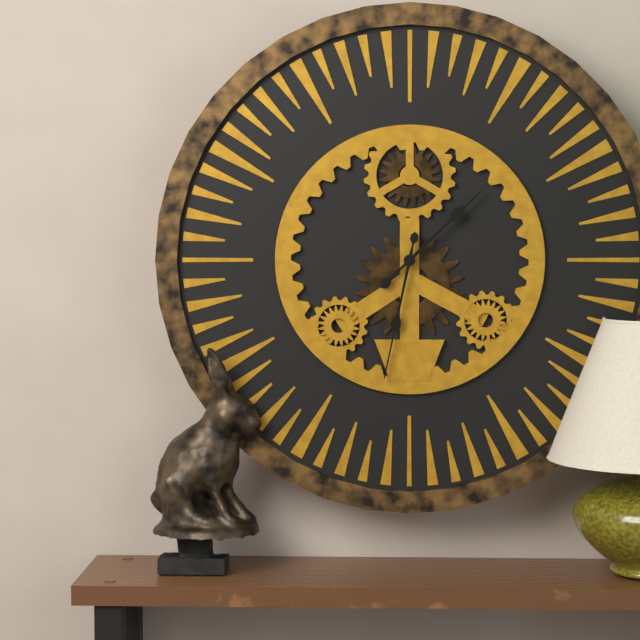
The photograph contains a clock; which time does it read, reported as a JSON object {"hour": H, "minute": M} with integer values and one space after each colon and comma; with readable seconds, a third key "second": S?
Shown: {"hour": 1, "minute": 32}
